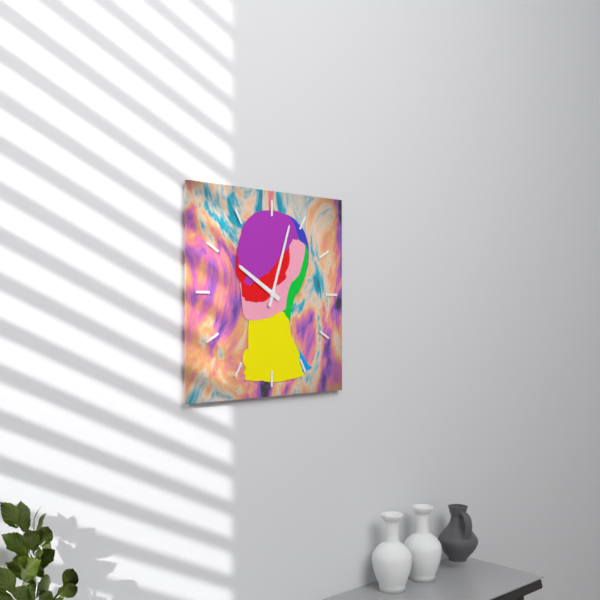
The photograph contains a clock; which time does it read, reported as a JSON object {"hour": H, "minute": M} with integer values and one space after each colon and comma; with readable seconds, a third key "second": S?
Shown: {"hour": 10, "minute": 3}
